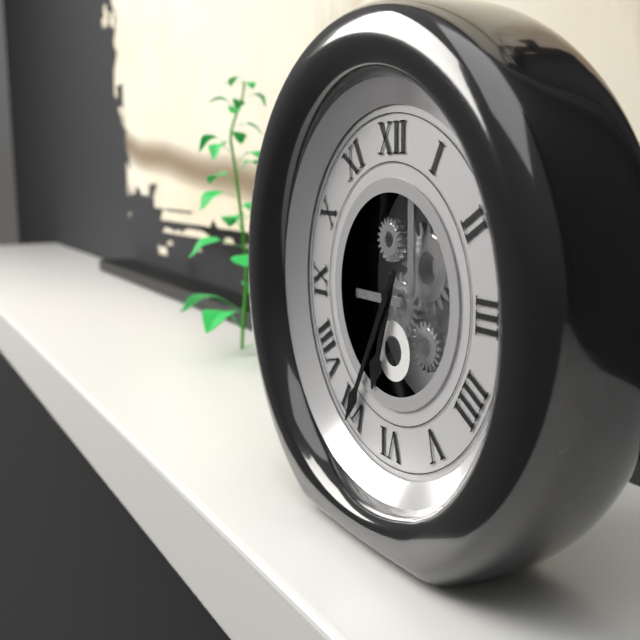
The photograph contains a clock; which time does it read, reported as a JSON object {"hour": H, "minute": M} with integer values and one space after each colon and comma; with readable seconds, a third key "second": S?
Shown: {"hour": 6, "minute": 35}
